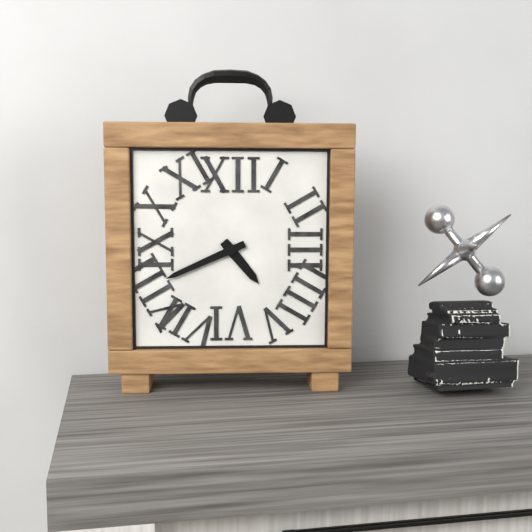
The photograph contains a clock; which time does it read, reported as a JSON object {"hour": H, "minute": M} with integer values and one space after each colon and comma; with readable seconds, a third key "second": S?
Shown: {"hour": 4, "minute": 41}
